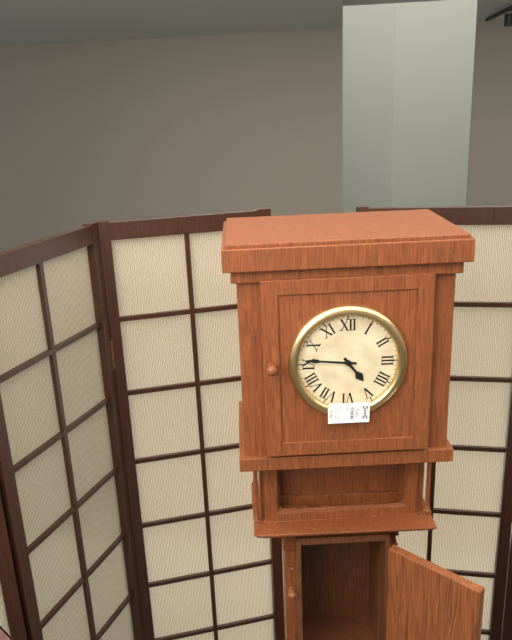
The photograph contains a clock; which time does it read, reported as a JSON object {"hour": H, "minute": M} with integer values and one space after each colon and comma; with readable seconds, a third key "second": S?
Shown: {"hour": 4, "minute": 46}
